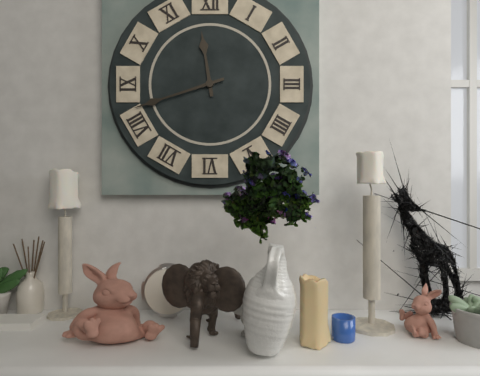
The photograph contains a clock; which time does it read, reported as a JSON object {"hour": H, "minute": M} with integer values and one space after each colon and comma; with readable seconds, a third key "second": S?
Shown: {"hour": 11, "minute": 42}
